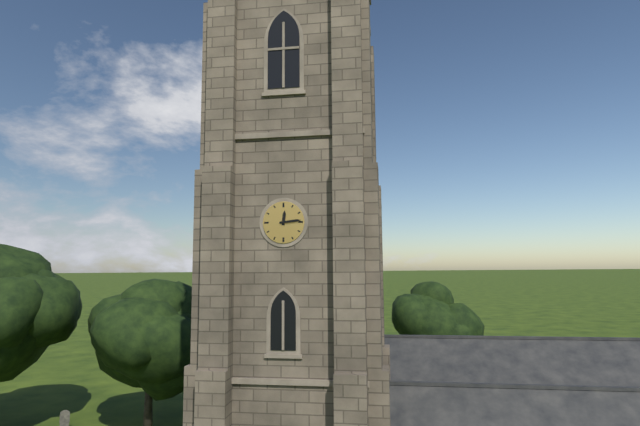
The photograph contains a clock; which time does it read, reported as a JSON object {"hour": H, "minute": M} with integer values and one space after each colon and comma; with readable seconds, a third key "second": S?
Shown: {"hour": 12, "minute": 14}
